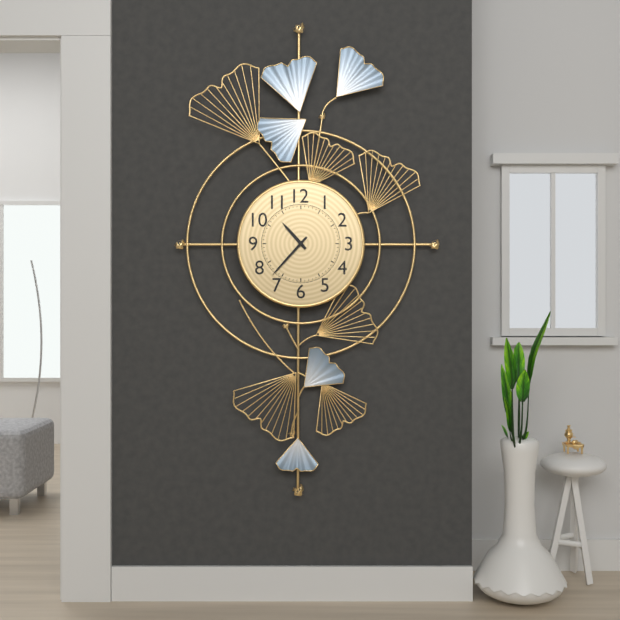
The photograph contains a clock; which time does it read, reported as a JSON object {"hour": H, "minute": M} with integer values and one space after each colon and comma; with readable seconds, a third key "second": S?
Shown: {"hour": 10, "minute": 37}
